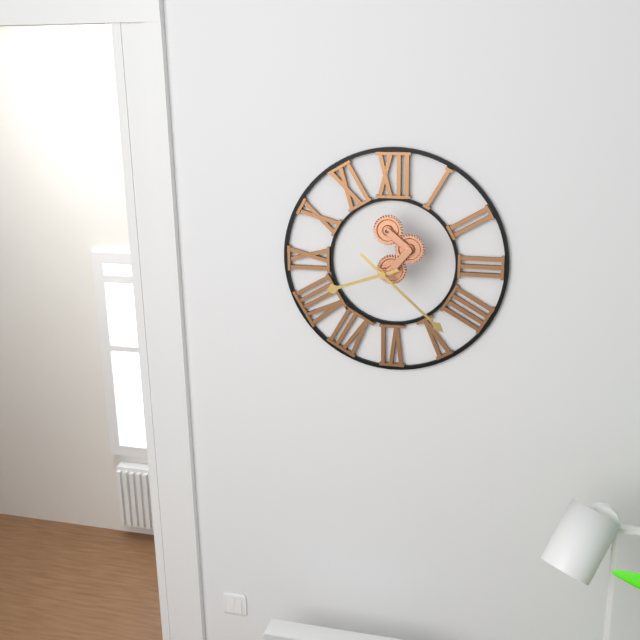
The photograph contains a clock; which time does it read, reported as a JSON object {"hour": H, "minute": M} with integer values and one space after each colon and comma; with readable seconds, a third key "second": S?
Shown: {"hour": 8, "minute": 22}
